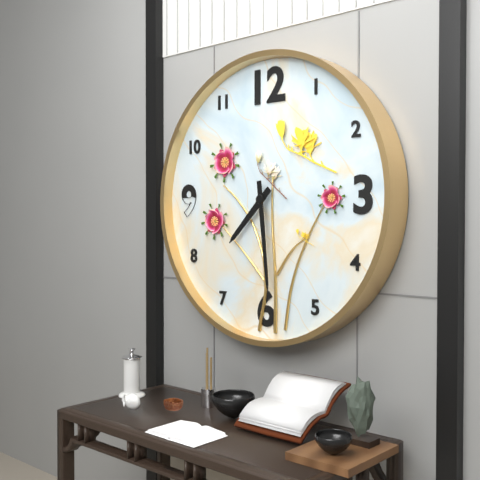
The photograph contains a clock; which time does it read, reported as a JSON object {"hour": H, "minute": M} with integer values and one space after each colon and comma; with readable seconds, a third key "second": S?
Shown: {"hour": 7, "minute": 29}
